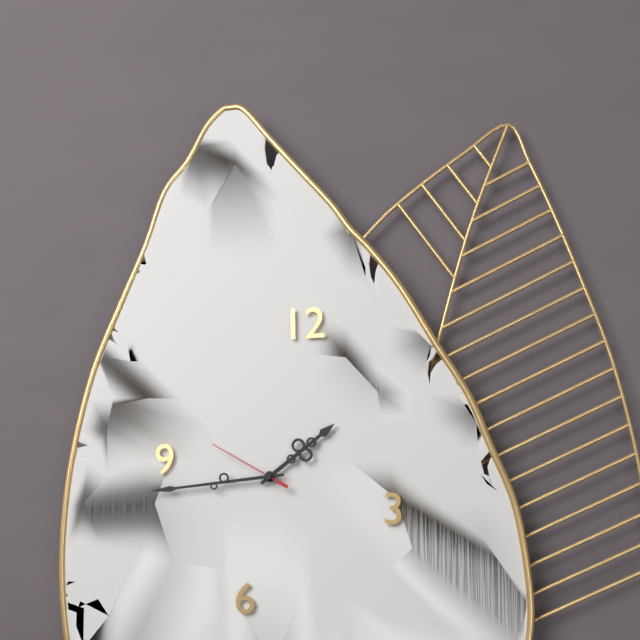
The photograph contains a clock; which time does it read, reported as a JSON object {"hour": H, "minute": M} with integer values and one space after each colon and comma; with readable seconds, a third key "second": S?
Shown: {"hour": 1, "minute": 44, "second": 50}
